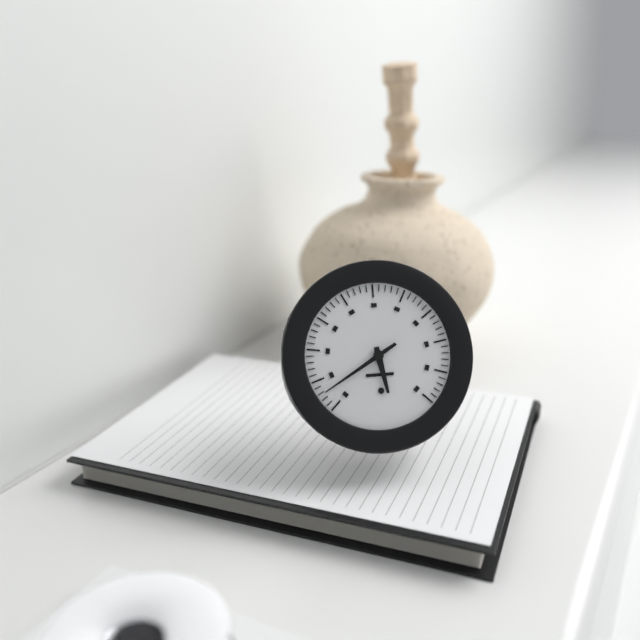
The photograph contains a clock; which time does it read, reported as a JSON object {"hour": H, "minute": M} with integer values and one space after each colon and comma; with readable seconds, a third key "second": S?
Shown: {"hour": 5, "minute": 40}
